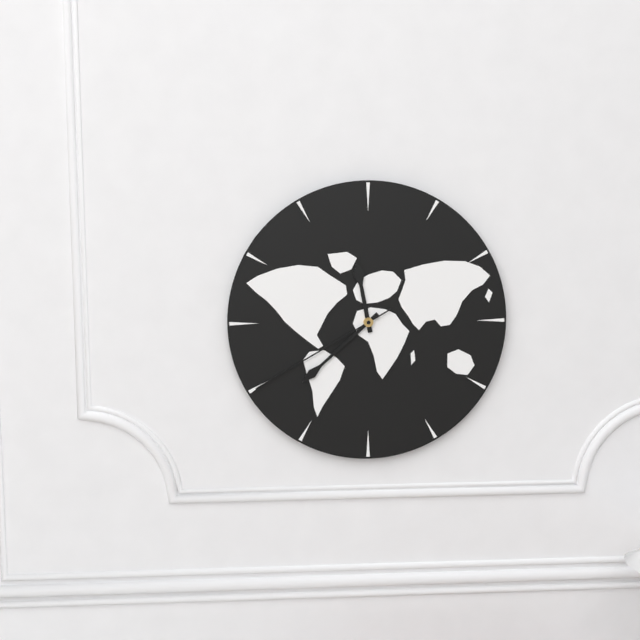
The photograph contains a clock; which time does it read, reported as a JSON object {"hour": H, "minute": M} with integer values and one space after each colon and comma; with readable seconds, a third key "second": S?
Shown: {"hour": 11, "minute": 38, "second": 40}
